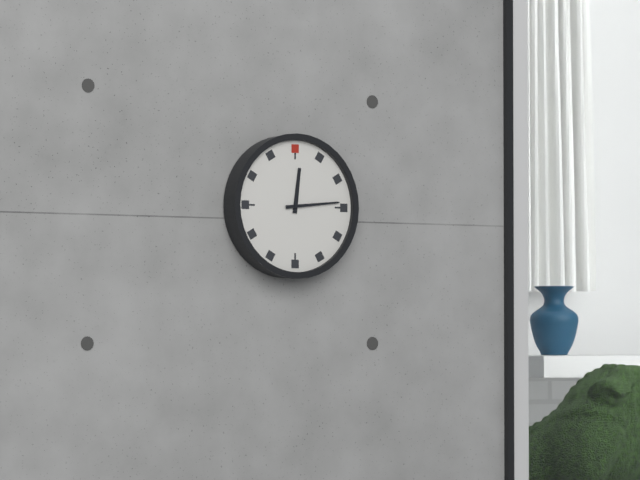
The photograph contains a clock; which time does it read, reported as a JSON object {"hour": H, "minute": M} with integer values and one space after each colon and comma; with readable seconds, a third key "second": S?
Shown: {"hour": 12, "minute": 14}
